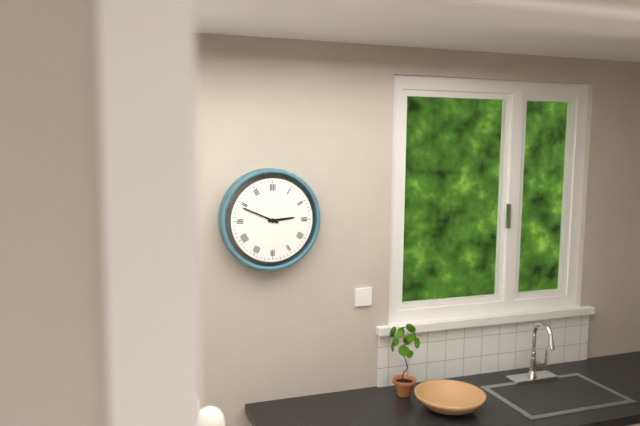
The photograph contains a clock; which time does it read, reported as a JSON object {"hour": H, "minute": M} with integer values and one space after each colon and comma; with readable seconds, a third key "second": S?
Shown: {"hour": 2, "minute": 49}
